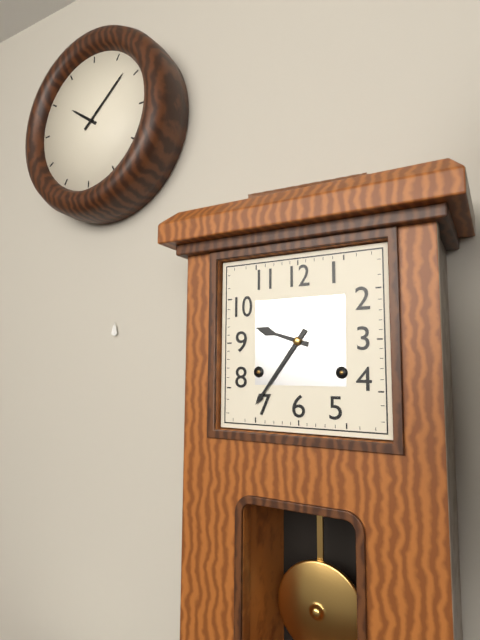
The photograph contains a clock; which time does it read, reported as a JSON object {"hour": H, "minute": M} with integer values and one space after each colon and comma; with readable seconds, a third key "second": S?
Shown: {"hour": 9, "minute": 36}
